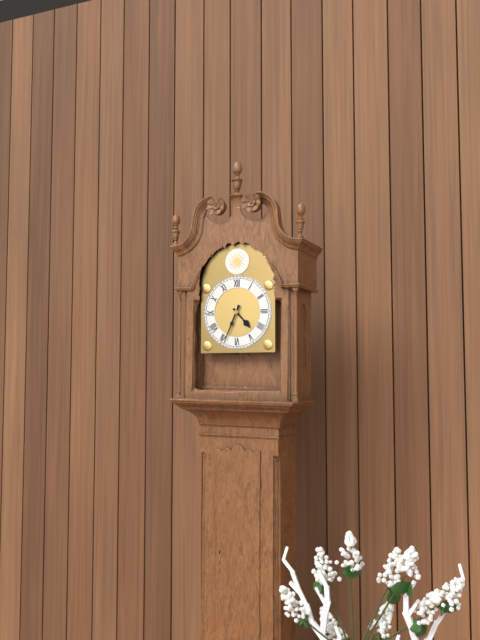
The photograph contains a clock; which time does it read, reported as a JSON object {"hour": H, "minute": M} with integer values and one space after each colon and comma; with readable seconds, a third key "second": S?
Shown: {"hour": 4, "minute": 34}
